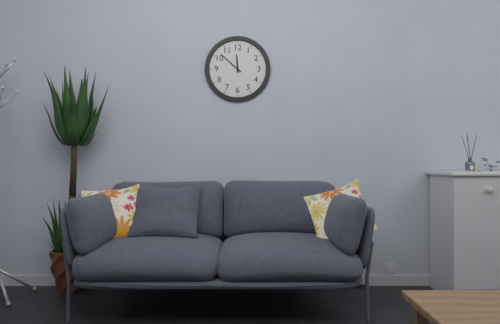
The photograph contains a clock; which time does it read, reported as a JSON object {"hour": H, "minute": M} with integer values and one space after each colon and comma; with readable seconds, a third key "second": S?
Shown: {"hour": 11, "minute": 52}
